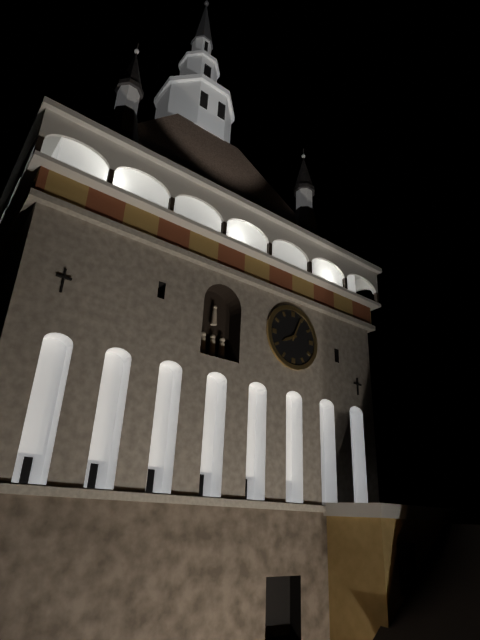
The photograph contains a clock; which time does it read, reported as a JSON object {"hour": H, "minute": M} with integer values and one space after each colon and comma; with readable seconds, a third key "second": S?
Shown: {"hour": 8, "minute": 4}
